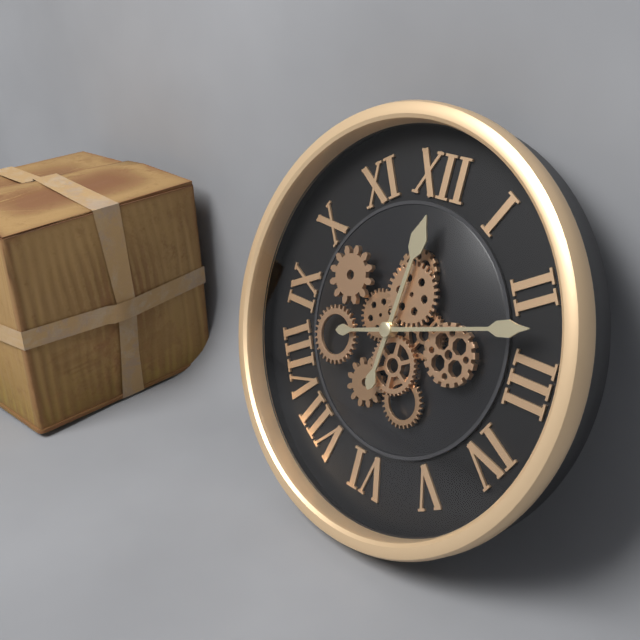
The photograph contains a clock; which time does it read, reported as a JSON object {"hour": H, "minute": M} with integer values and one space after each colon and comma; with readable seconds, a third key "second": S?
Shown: {"hour": 12, "minute": 12}
